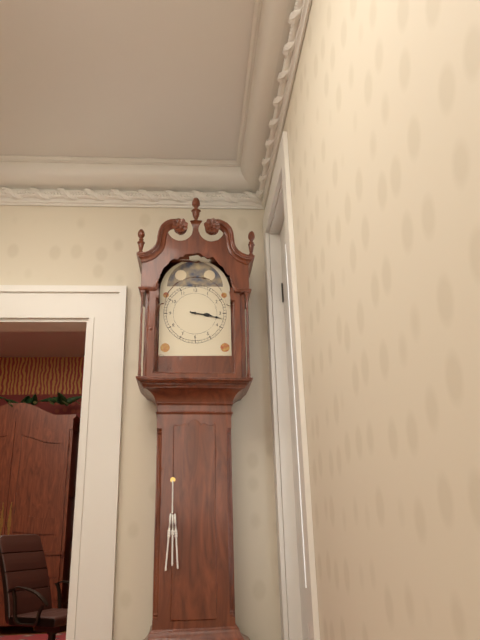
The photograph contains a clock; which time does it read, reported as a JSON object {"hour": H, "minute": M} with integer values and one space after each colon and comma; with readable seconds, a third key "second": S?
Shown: {"hour": 3, "minute": 17}
